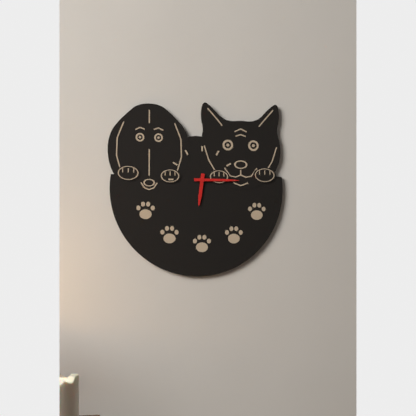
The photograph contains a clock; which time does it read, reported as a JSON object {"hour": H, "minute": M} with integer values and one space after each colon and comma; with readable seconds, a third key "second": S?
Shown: {"hour": 6, "minute": 15}
